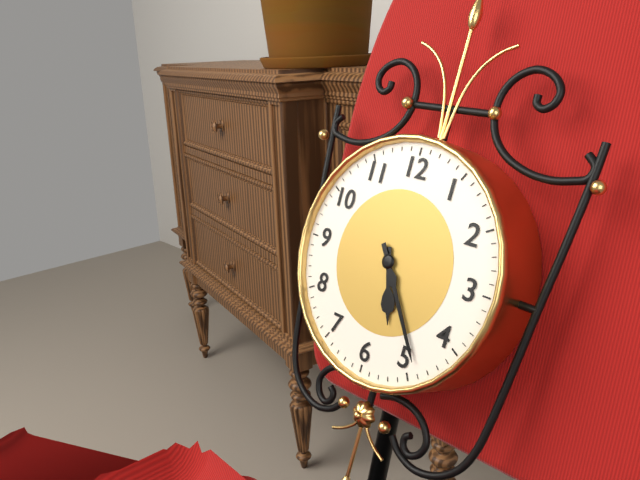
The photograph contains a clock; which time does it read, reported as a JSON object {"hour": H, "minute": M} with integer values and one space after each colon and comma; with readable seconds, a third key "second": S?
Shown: {"hour": 5, "minute": 24}
